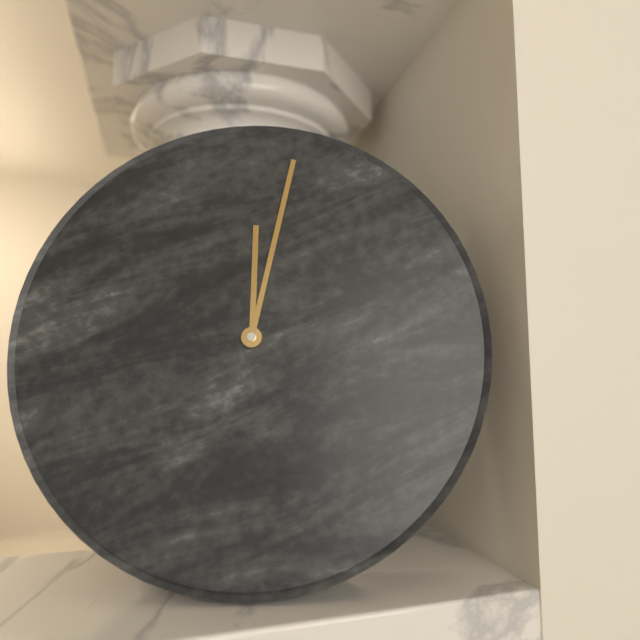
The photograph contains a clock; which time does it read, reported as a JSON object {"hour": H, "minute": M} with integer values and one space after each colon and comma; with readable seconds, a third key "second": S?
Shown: {"hour": 12, "minute": 2}
